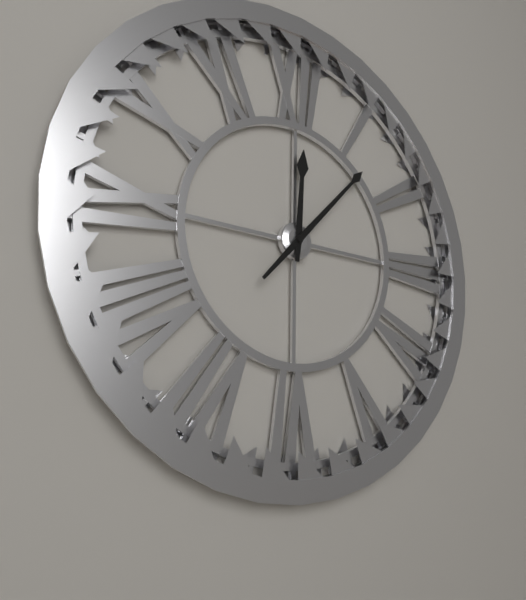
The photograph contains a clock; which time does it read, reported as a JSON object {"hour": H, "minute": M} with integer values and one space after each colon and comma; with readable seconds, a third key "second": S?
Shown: {"hour": 12, "minute": 7}
